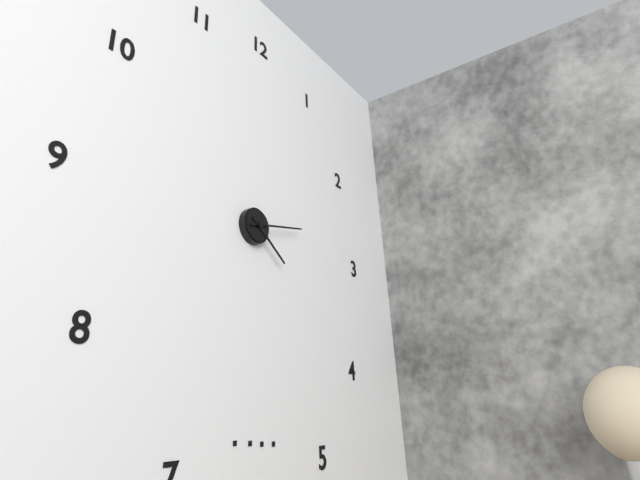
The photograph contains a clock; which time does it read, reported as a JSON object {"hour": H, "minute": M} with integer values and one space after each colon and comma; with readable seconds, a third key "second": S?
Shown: {"hour": 4, "minute": 13}
